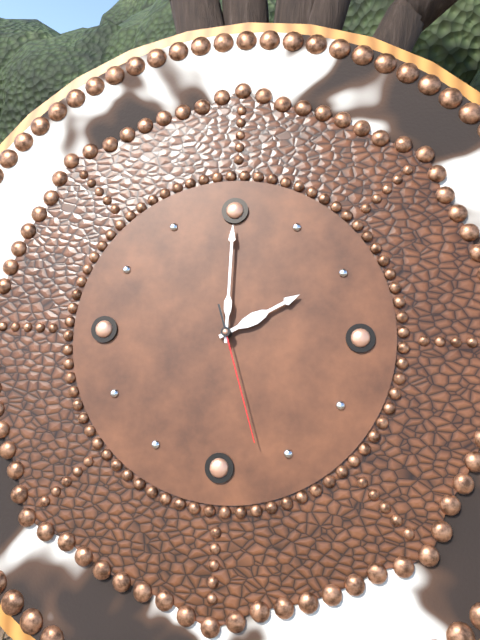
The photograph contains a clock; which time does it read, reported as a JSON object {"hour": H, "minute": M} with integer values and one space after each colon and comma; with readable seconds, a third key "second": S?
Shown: {"hour": 2, "minute": 0, "second": 27}
